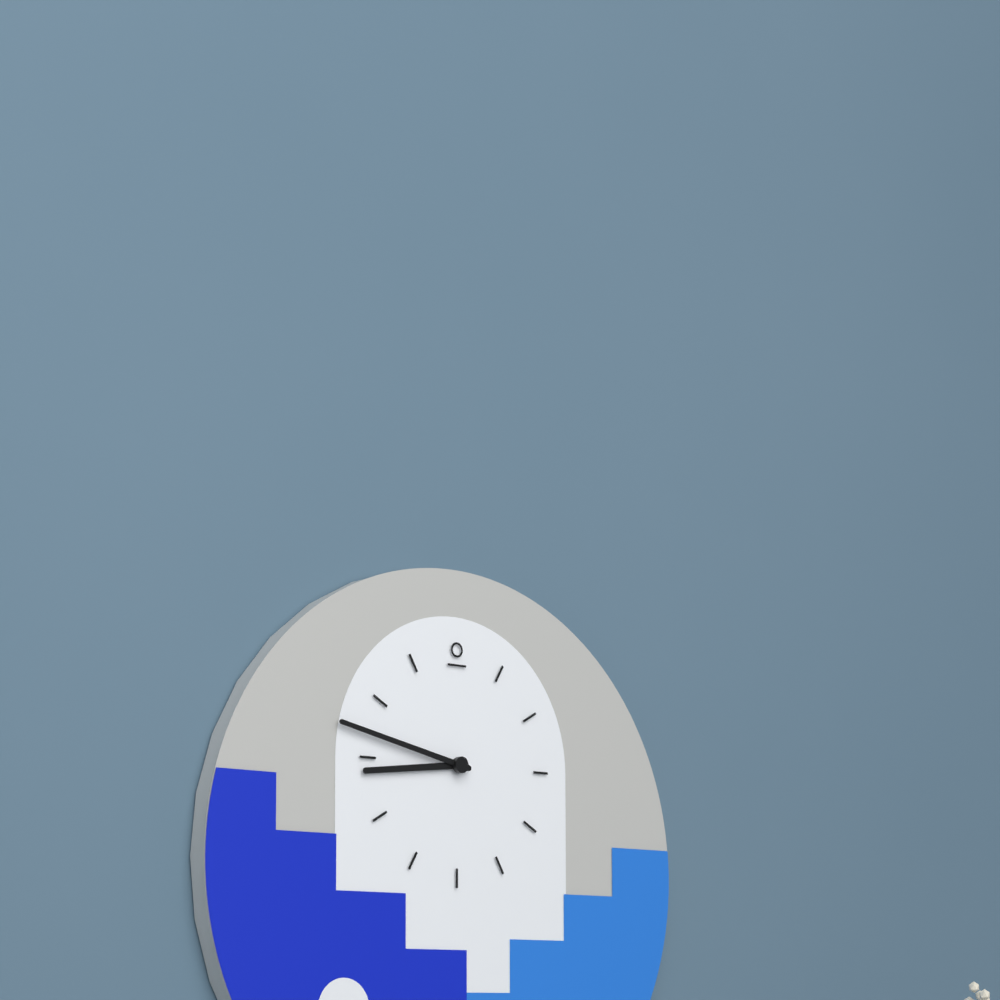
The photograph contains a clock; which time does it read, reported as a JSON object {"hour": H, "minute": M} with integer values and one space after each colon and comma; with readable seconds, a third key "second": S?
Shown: {"hour": 8, "minute": 47}
